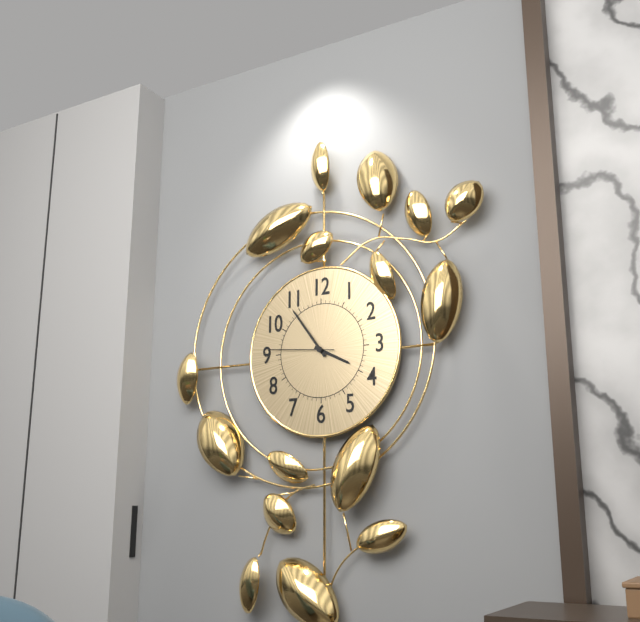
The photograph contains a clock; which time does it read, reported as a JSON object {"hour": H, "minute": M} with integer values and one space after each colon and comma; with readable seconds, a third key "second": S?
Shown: {"hour": 3, "minute": 54, "second": 46}
